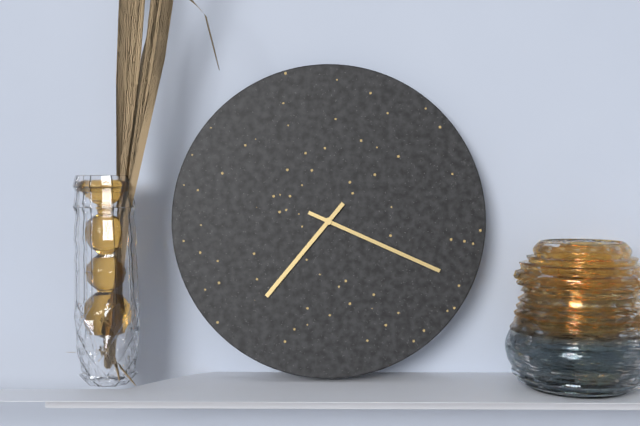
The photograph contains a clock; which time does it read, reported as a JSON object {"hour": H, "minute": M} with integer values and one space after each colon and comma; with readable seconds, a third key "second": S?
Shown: {"hour": 7, "minute": 19}
